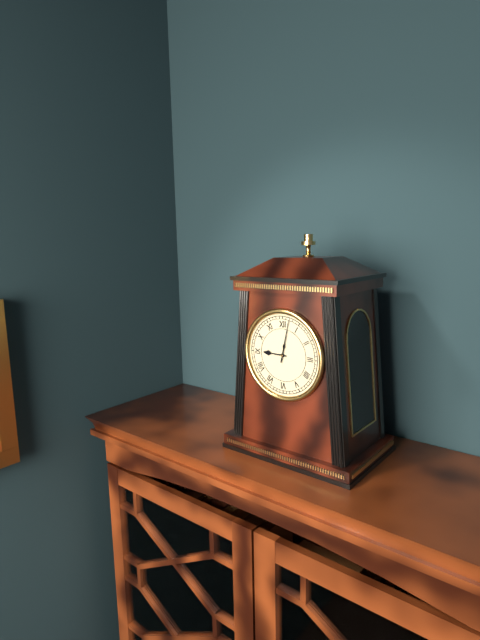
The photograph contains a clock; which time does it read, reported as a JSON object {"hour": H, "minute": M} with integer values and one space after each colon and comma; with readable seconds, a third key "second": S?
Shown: {"hour": 9, "minute": 2}
